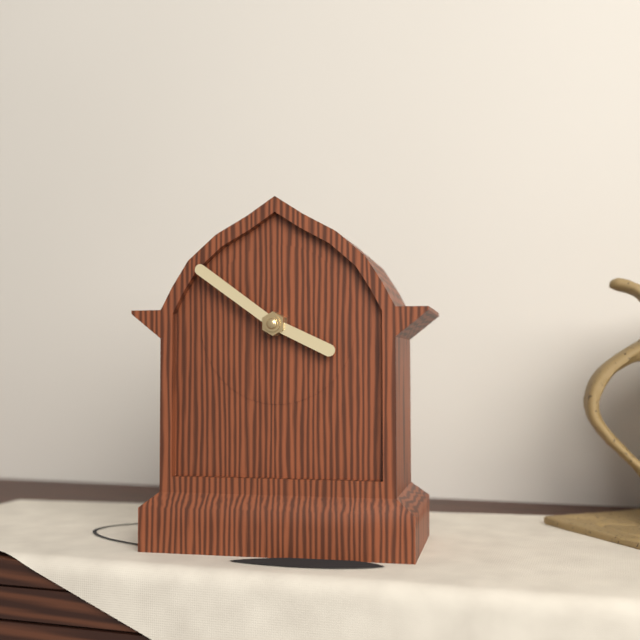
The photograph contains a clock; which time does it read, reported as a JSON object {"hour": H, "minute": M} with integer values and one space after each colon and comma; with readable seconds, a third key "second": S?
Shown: {"hour": 3, "minute": 51}
